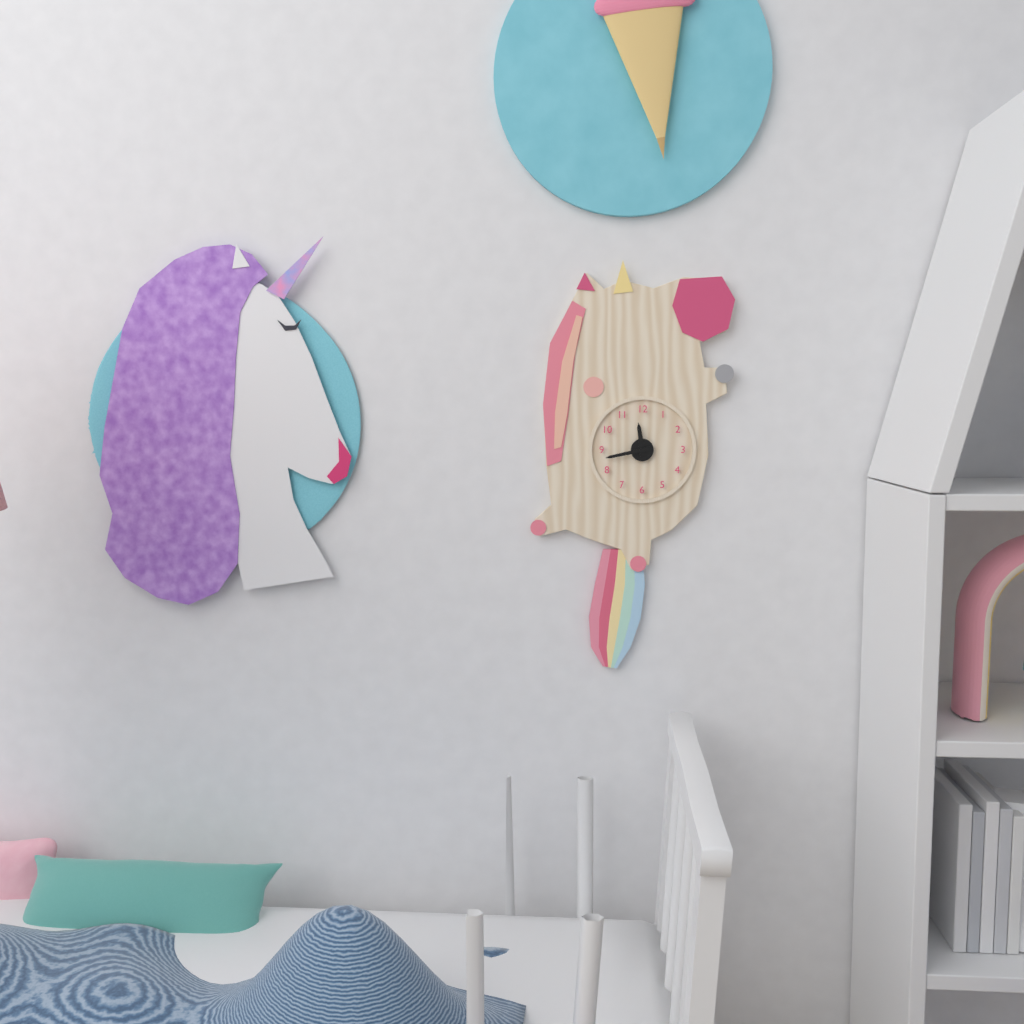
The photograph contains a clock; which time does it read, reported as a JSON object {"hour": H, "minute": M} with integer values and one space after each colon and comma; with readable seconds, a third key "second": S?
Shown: {"hour": 11, "minute": 43}
